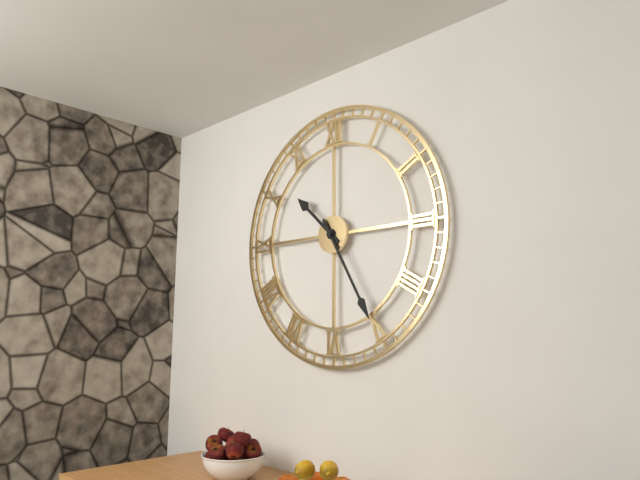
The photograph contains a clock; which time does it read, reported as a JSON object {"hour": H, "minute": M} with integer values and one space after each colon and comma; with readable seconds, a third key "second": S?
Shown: {"hour": 10, "minute": 25}
